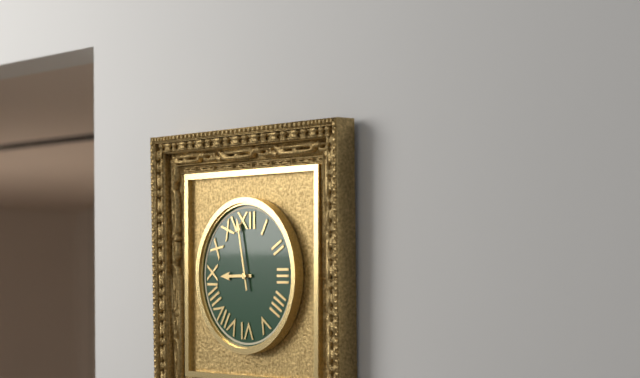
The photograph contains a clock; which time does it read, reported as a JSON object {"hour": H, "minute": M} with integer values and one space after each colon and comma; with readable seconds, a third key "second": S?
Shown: {"hour": 8, "minute": 58}
